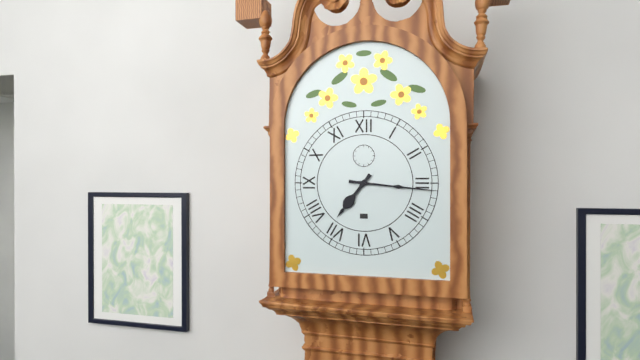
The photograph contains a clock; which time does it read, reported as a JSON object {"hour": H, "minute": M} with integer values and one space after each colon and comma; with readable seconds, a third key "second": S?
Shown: {"hour": 7, "minute": 16}
